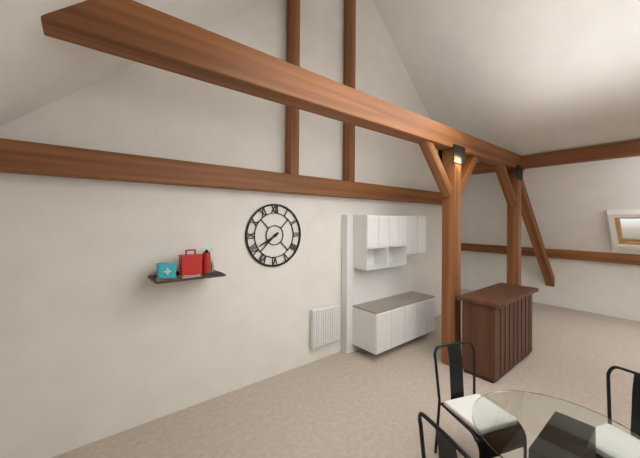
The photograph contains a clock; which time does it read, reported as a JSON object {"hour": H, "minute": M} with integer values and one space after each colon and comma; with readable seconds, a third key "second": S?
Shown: {"hour": 7, "minute": 40}
